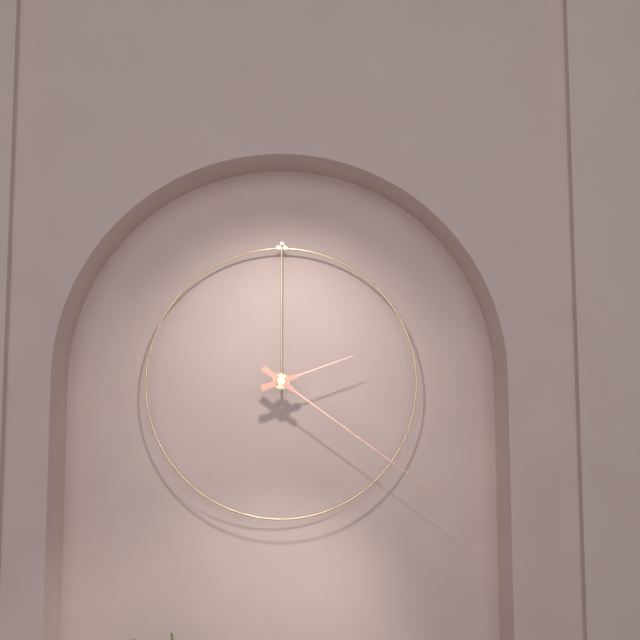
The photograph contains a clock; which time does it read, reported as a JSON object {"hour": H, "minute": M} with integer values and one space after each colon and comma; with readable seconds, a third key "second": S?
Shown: {"hour": 2, "minute": 21}
